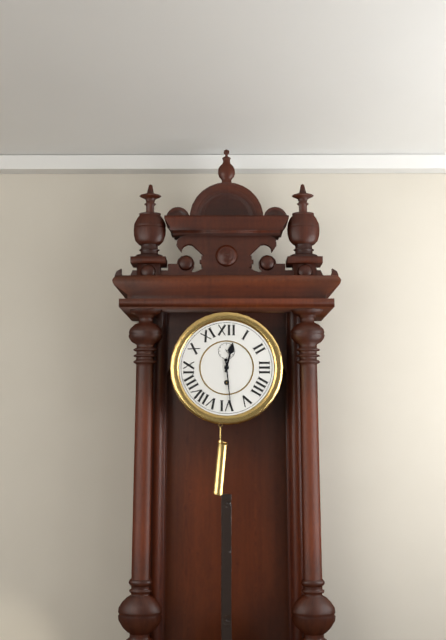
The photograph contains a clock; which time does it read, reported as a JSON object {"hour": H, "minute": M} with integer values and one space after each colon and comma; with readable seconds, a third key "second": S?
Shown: {"hour": 12, "minute": 29}
